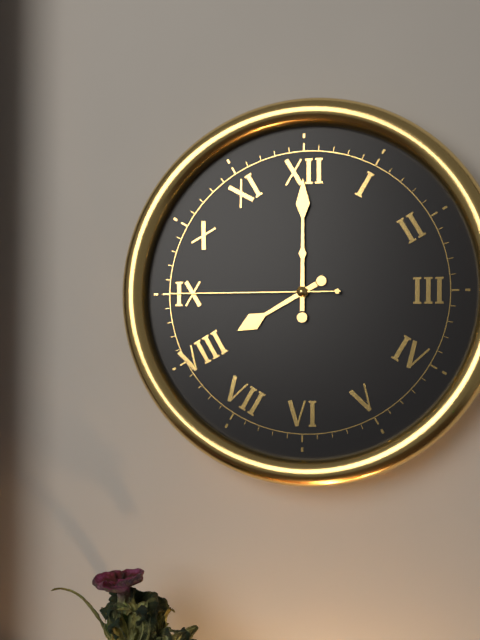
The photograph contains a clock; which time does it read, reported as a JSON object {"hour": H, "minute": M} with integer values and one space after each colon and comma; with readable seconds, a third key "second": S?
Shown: {"hour": 8, "minute": 0, "second": 45}
